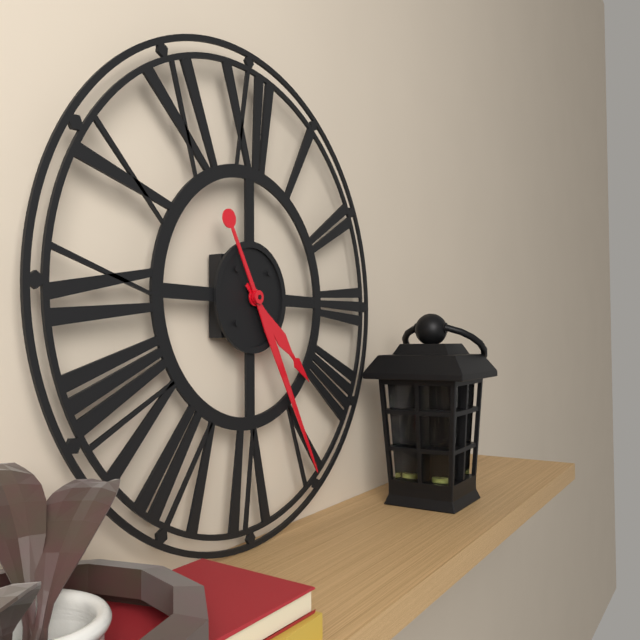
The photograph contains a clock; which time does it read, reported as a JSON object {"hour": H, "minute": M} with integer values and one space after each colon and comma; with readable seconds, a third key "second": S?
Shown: {"hour": 4, "minute": 25}
